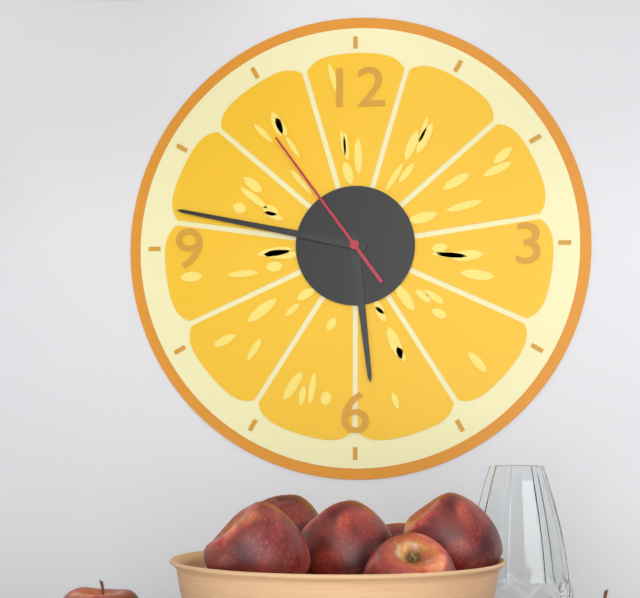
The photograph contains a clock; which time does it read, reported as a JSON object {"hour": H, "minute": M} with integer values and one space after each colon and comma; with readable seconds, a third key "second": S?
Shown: {"hour": 5, "minute": 47, "second": 54}
